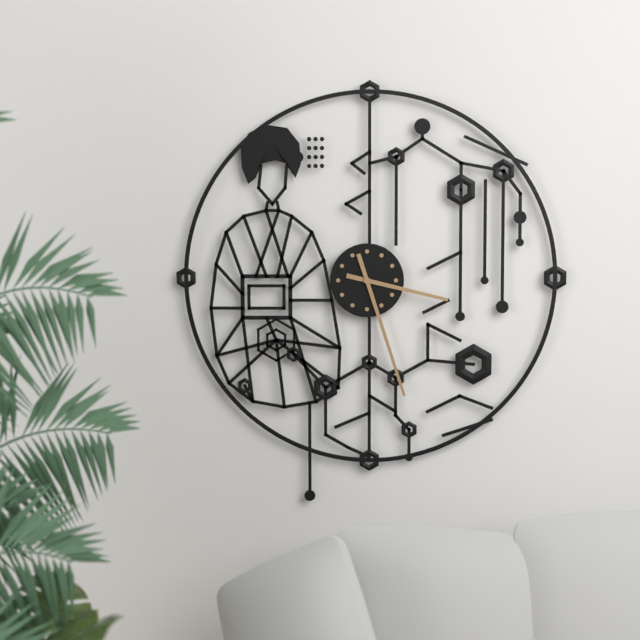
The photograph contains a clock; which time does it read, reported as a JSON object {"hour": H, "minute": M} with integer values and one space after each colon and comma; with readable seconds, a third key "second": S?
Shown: {"hour": 3, "minute": 27}
